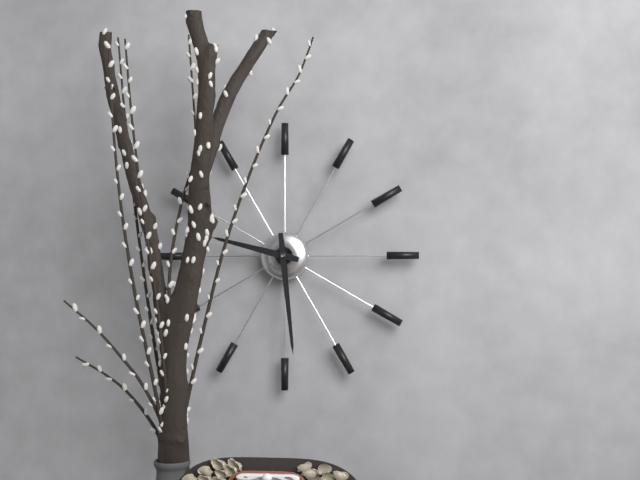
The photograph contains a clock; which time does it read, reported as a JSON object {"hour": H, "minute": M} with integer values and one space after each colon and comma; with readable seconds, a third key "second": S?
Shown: {"hour": 9, "minute": 29}
